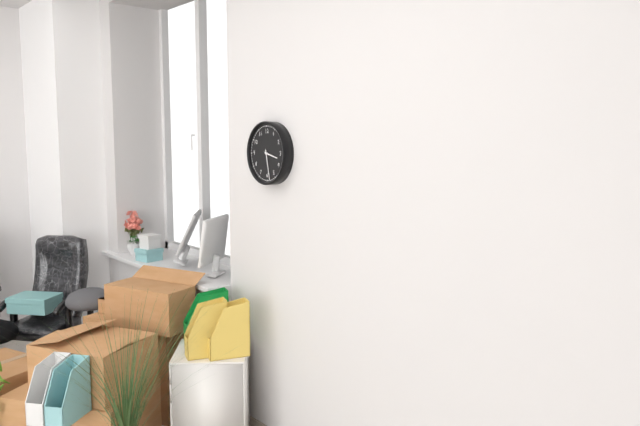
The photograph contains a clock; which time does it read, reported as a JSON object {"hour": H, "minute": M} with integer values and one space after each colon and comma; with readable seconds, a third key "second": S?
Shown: {"hour": 3, "minute": 28}
